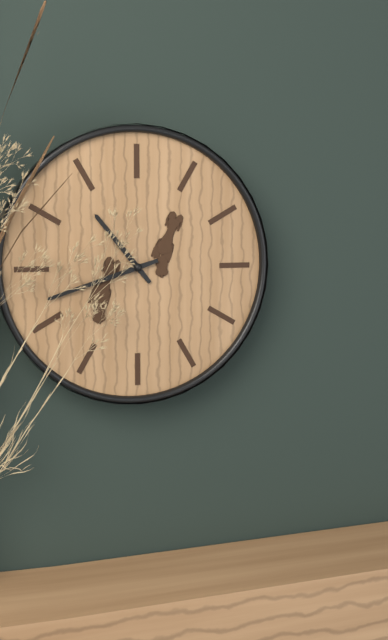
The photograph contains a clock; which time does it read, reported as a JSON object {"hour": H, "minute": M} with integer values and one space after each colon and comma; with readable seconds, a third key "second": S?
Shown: {"hour": 10, "minute": 42}
